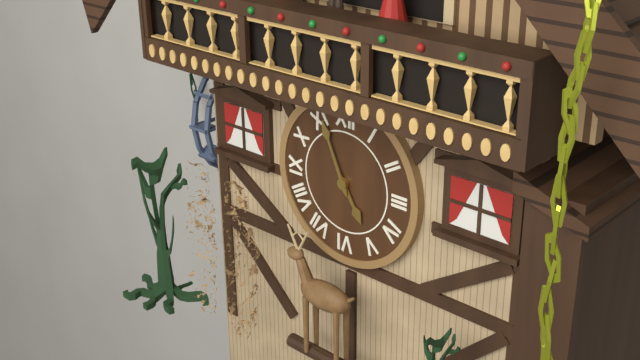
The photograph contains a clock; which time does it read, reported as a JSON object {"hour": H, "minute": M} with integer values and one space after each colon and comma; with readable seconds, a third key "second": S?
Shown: {"hour": 4, "minute": 56}
